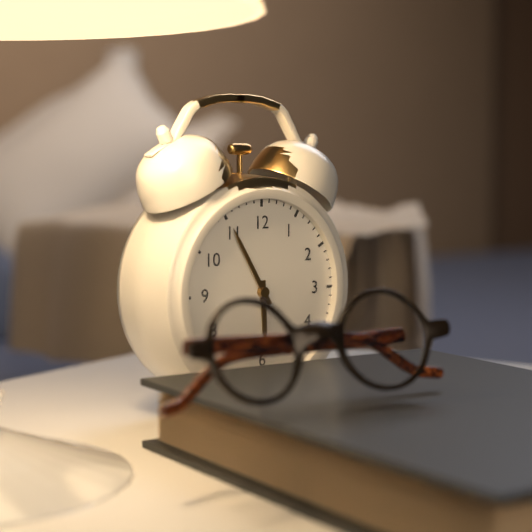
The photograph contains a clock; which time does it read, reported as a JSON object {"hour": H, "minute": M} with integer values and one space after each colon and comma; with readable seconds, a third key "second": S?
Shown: {"hour": 5, "minute": 55}
